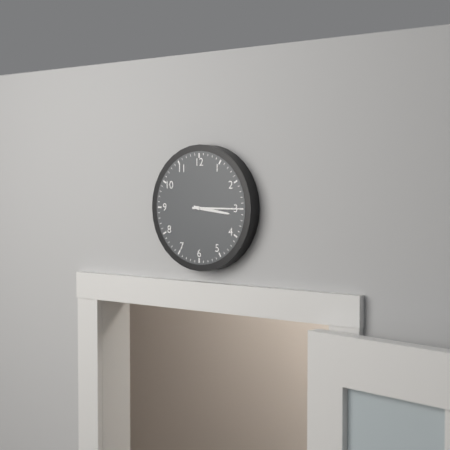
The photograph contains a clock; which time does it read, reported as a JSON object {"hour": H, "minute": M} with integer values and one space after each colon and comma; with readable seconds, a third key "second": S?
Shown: {"hour": 3, "minute": 15}
